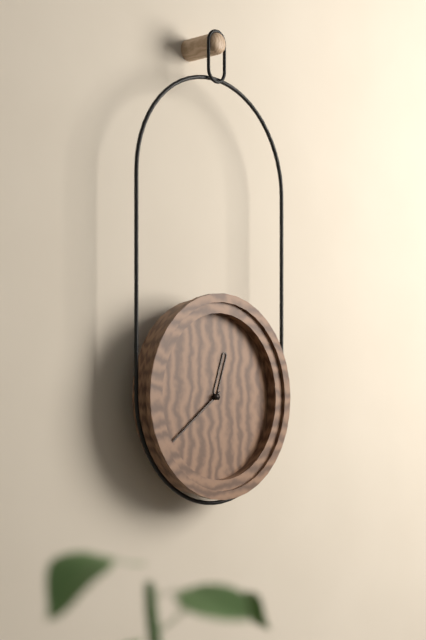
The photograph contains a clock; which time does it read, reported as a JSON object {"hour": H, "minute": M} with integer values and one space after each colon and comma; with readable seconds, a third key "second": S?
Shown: {"hour": 12, "minute": 39}
